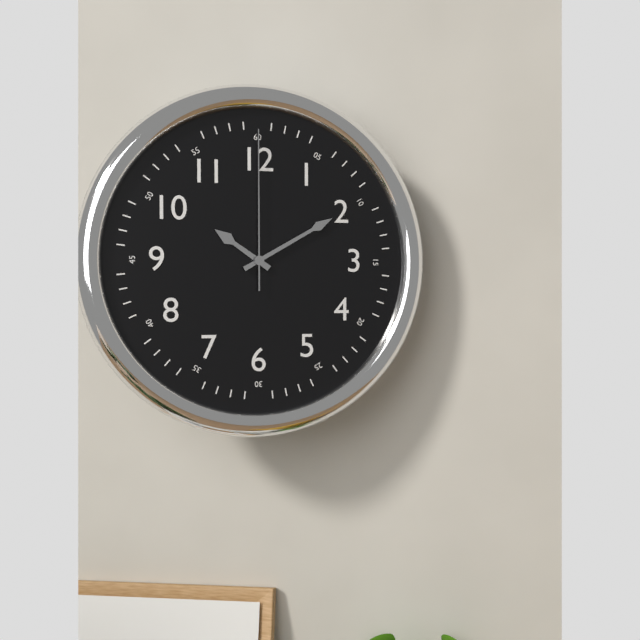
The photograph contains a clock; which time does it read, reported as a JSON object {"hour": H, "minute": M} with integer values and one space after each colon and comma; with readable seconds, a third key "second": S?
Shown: {"hour": 10, "minute": 10, "second": 0}
